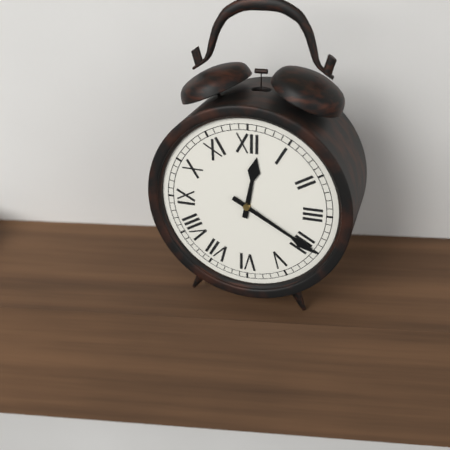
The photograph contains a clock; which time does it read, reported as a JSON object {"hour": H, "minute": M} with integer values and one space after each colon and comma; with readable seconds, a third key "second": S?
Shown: {"hour": 12, "minute": 20}
